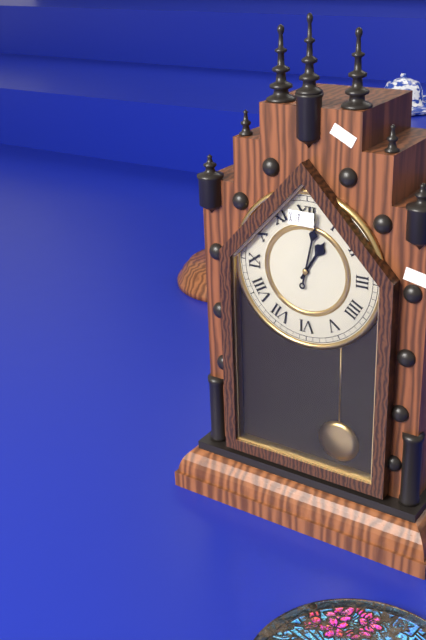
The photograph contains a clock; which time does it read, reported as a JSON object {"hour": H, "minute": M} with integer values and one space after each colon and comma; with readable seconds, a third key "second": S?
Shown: {"hour": 1, "minute": 2}
